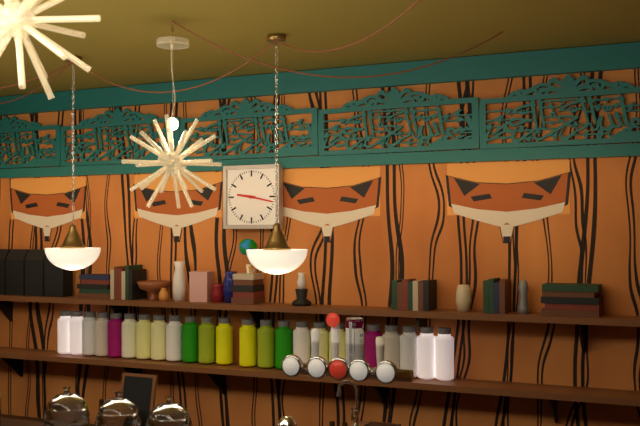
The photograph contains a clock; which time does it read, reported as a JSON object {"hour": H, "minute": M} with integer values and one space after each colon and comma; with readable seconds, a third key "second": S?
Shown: {"hour": 9, "minute": 17}
